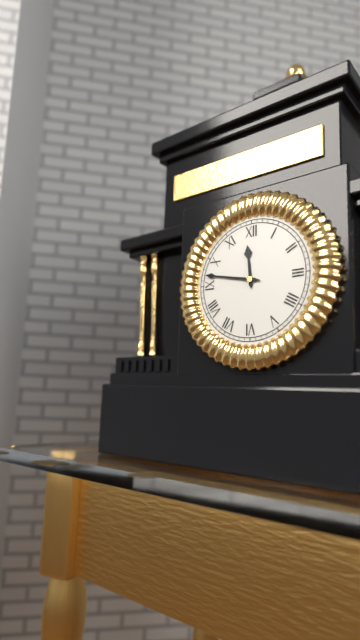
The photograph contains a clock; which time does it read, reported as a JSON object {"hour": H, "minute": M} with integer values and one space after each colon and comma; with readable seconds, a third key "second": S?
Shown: {"hour": 11, "minute": 47}
